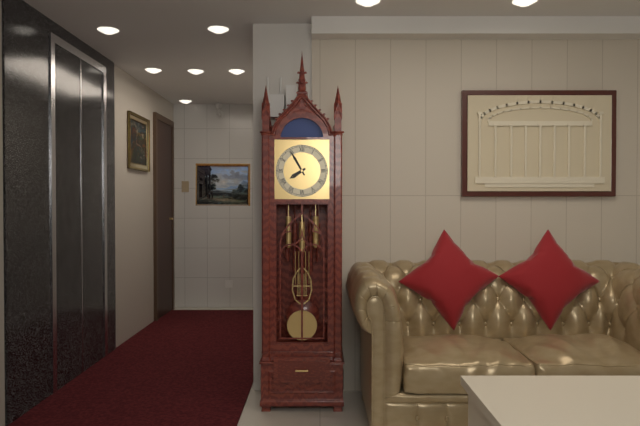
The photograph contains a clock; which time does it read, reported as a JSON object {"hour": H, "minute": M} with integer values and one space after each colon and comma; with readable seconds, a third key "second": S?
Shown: {"hour": 7, "minute": 55}
